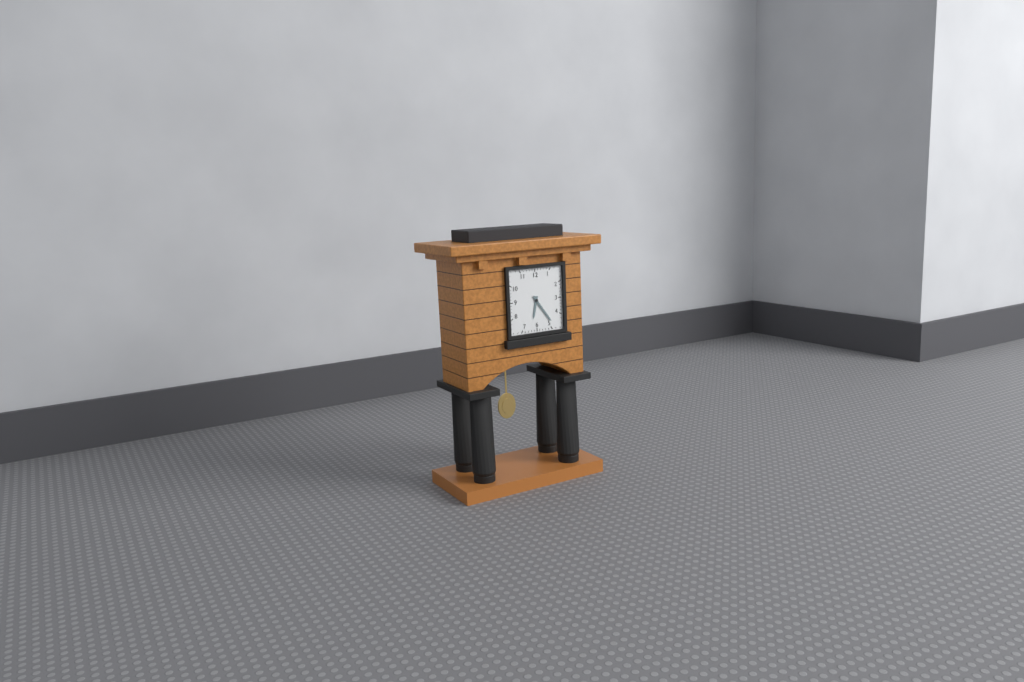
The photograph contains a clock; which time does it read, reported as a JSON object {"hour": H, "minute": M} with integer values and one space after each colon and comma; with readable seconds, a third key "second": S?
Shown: {"hour": 6, "minute": 24}
